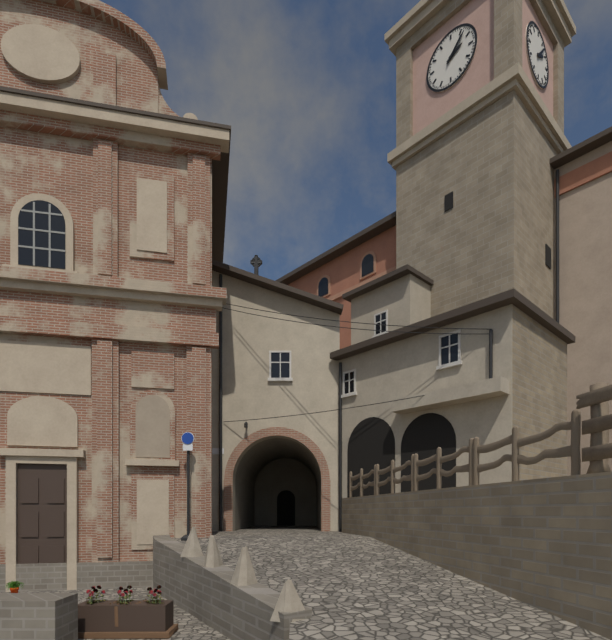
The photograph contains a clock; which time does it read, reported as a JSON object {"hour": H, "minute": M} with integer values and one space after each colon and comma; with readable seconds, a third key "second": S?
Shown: {"hour": 2, "minute": 7}
